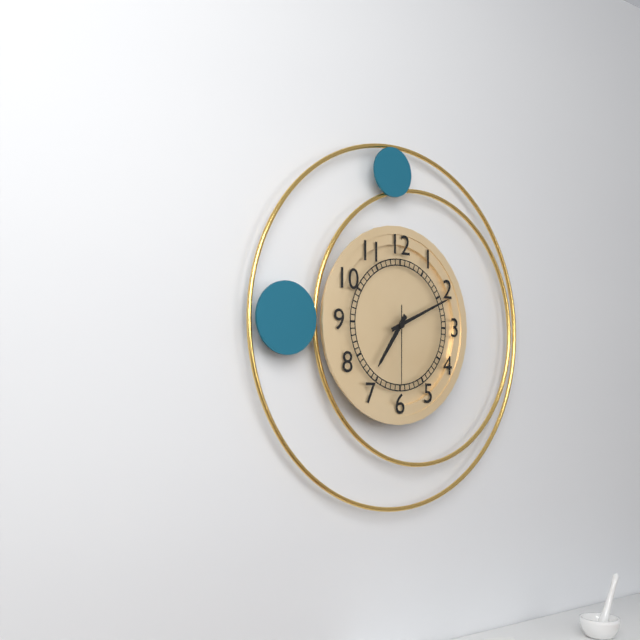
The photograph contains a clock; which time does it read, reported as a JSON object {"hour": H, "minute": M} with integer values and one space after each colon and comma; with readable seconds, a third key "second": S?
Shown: {"hour": 7, "minute": 11, "second": 30}
